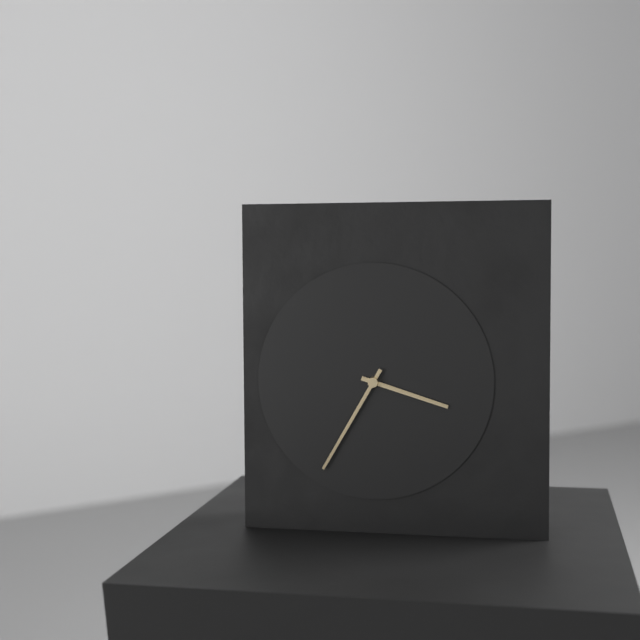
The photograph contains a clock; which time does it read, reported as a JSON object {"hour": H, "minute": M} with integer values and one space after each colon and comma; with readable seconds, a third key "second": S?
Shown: {"hour": 3, "minute": 35}
